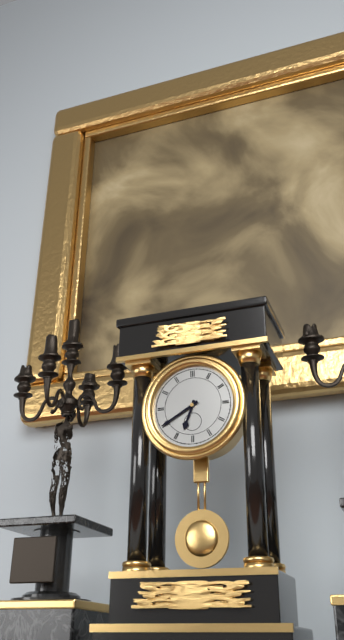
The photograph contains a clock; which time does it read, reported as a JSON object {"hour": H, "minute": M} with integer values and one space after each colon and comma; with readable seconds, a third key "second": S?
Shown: {"hour": 6, "minute": 40}
